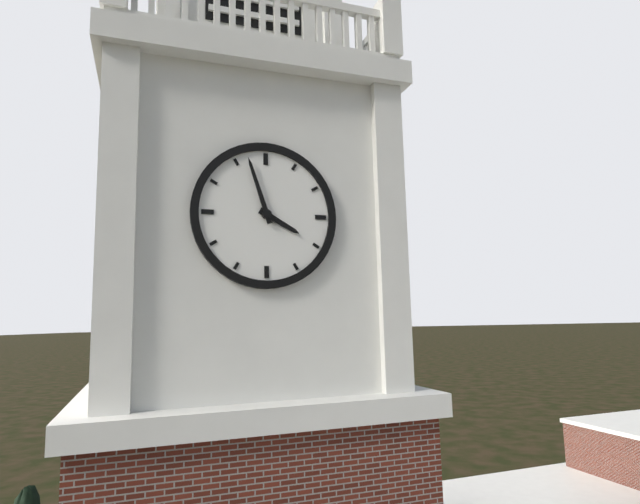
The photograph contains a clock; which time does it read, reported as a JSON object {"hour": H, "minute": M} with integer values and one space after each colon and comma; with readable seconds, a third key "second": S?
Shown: {"hour": 3, "minute": 57}
